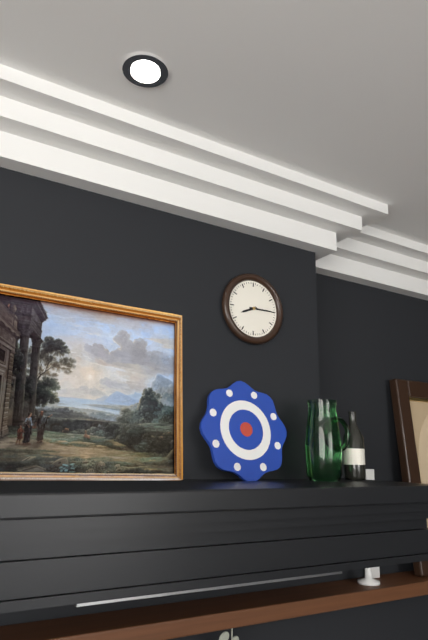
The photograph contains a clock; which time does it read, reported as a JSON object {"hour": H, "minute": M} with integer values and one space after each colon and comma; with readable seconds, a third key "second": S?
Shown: {"hour": 8, "minute": 15}
